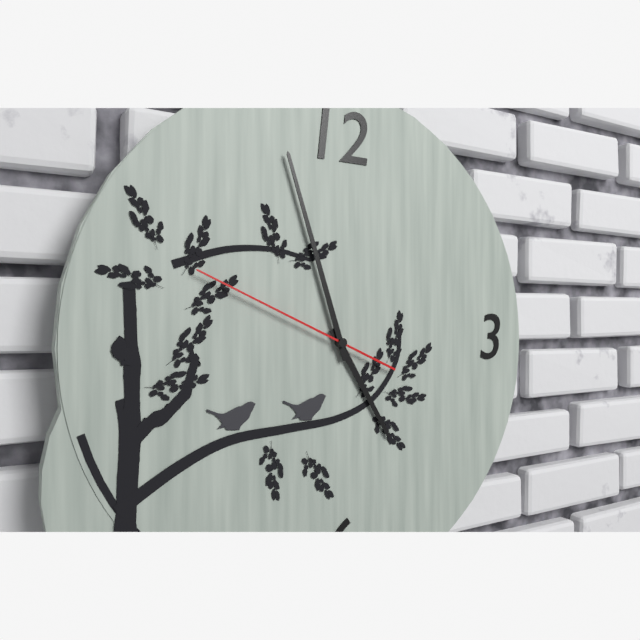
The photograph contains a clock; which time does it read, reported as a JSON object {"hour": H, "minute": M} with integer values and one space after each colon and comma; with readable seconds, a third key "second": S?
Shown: {"hour": 4, "minute": 57, "second": 49}
